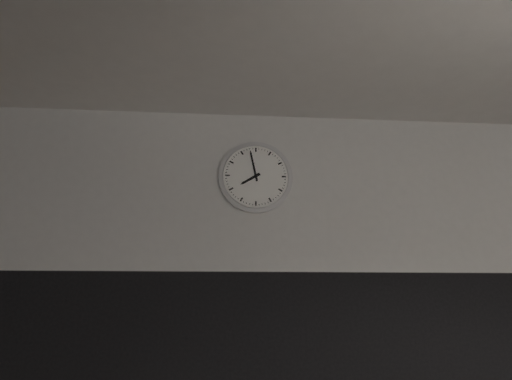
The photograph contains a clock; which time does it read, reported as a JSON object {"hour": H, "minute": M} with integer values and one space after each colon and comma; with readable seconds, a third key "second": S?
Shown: {"hour": 7, "minute": 58}
